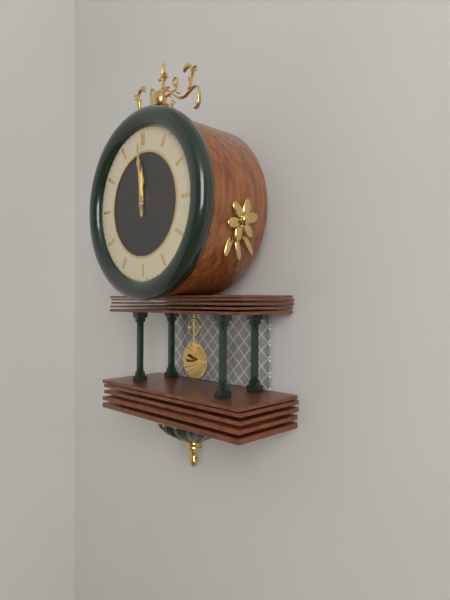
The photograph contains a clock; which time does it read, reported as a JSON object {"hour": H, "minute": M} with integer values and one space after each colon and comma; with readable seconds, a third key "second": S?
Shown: {"hour": 11, "minute": 59}
